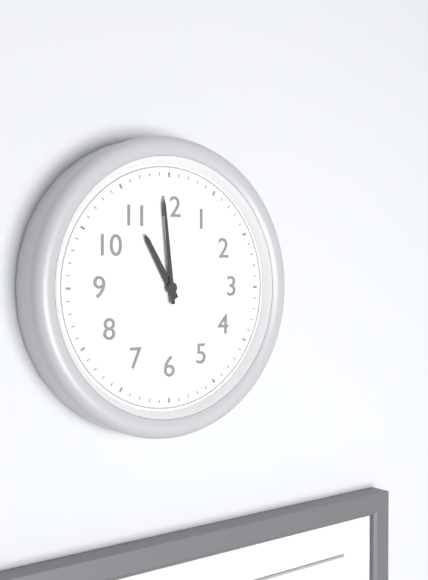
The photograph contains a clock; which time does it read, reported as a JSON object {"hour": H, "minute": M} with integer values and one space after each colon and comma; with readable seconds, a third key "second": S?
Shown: {"hour": 10, "minute": 59}
